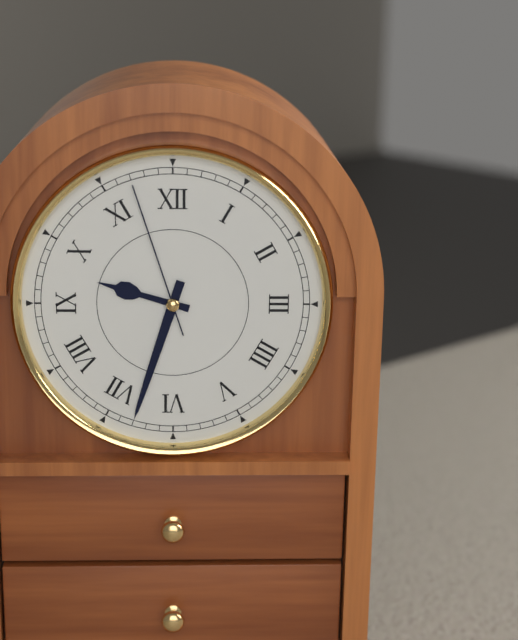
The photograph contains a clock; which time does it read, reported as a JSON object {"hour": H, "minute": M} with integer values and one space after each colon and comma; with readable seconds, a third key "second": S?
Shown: {"hour": 9, "minute": 33, "second": 57}
